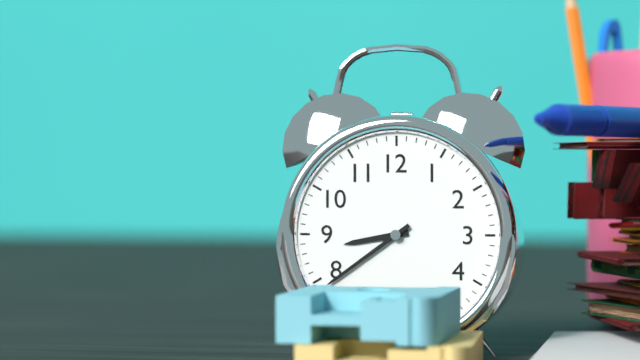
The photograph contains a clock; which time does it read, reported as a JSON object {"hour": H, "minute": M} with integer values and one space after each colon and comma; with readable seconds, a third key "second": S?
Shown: {"hour": 8, "minute": 39}
